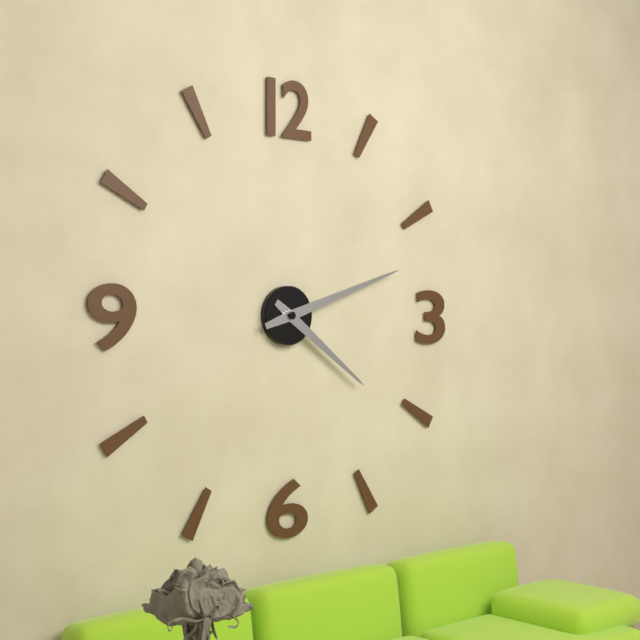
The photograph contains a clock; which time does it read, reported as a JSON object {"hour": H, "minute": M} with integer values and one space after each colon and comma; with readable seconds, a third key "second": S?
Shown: {"hour": 4, "minute": 12}
